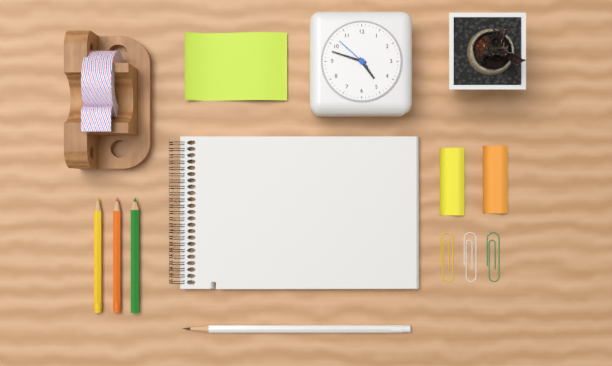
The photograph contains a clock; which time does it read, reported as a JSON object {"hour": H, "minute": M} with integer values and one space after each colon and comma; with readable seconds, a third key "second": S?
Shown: {"hour": 4, "minute": 48}
